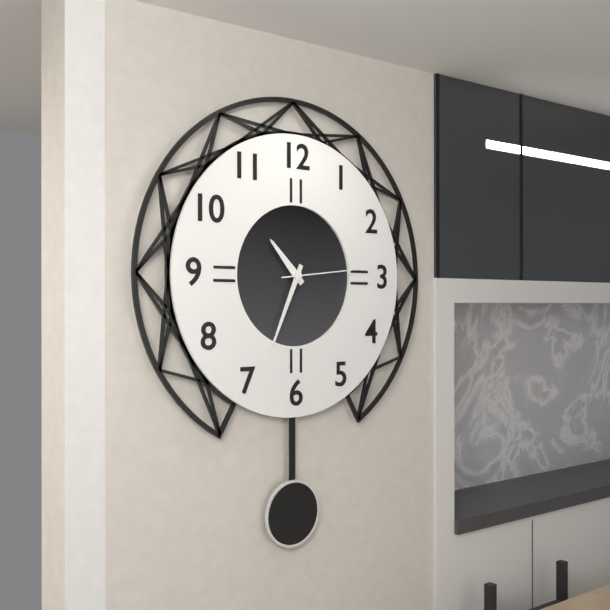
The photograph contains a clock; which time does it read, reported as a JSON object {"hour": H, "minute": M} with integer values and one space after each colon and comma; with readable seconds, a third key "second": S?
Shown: {"hour": 10, "minute": 34, "second": 14}
